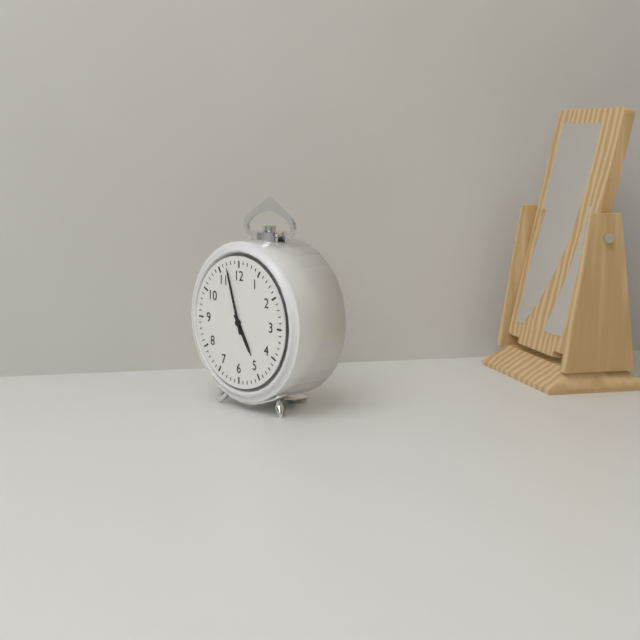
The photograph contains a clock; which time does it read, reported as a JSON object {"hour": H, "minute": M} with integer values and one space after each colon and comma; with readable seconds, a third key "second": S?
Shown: {"hour": 4, "minute": 57}
